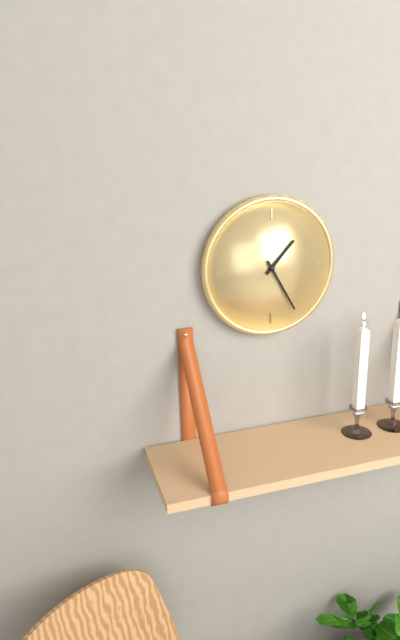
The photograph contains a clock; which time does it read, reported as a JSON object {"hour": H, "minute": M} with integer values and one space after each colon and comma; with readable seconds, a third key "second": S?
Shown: {"hour": 1, "minute": 25}
